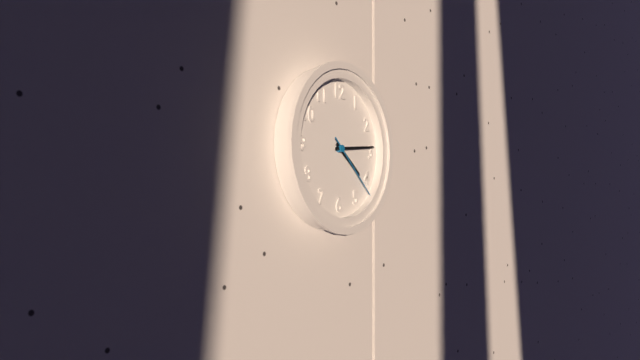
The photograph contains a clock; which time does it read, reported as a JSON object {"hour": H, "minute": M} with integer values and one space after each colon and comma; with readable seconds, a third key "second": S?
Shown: {"hour": 4, "minute": 14, "second": 22}
